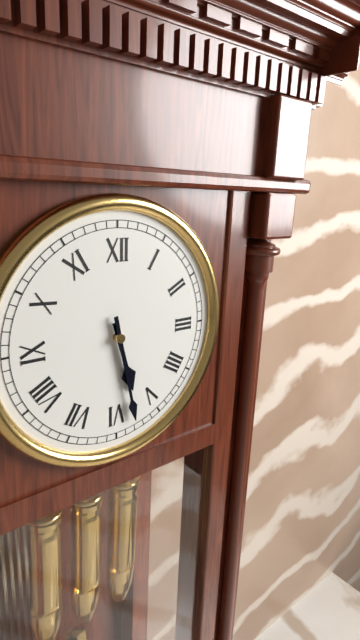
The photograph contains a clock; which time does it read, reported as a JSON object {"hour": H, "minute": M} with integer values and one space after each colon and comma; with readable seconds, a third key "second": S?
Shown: {"hour": 5, "minute": 28}
